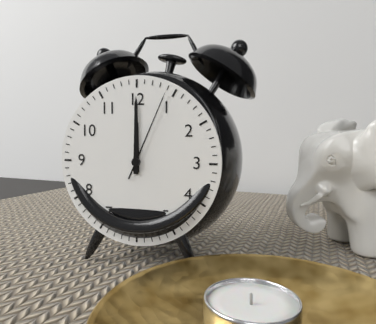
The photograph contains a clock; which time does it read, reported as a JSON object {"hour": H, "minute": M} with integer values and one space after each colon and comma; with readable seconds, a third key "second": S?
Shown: {"hour": 12, "minute": 0, "second": 4}
